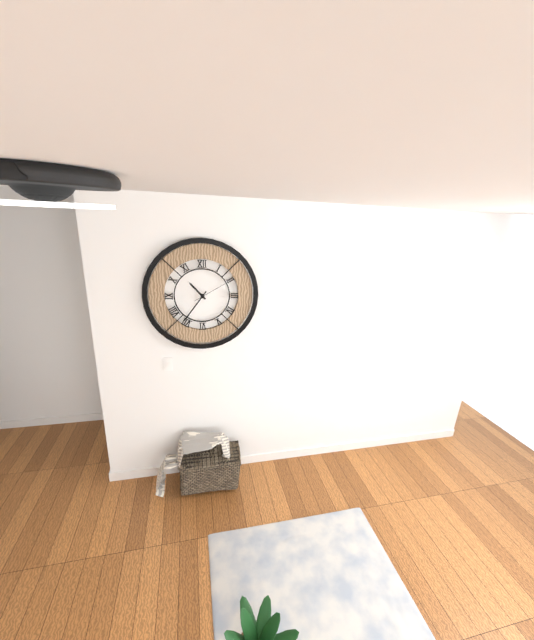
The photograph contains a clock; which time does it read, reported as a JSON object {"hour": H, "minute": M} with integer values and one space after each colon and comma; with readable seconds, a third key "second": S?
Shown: {"hour": 10, "minute": 36}
